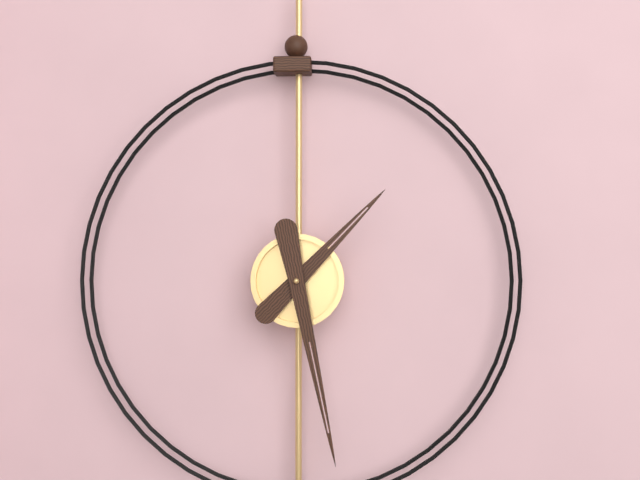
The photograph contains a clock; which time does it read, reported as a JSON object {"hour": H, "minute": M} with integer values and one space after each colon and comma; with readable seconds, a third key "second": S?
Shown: {"hour": 1, "minute": 28}
